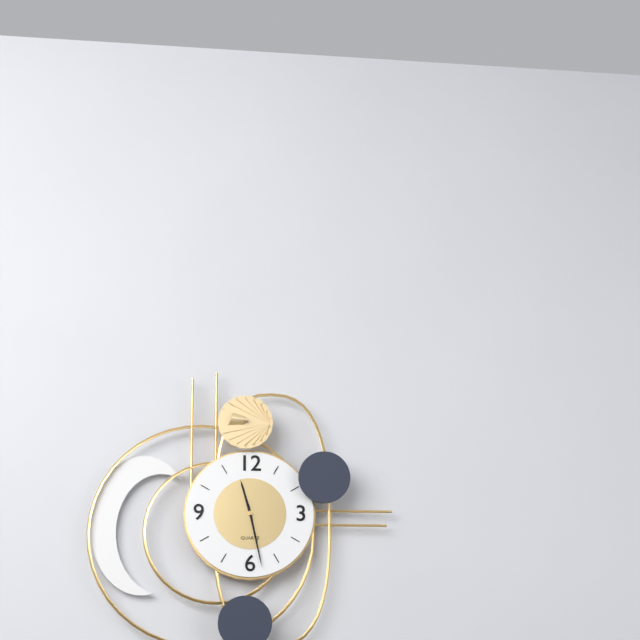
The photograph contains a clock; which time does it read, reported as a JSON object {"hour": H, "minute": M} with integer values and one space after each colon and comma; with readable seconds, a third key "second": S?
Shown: {"hour": 11, "minute": 28}
